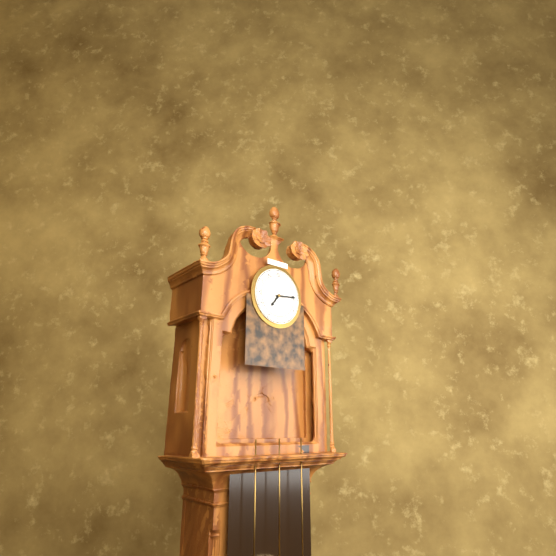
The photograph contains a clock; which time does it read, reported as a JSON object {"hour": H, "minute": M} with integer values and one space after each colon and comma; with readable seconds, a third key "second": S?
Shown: {"hour": 7, "minute": 14}
